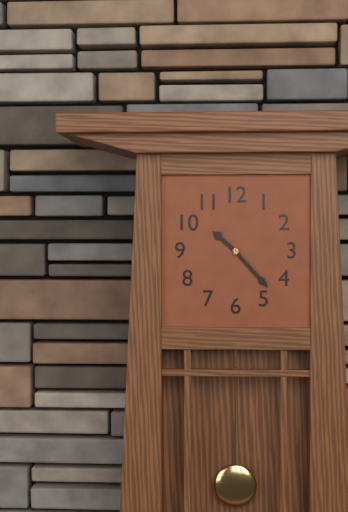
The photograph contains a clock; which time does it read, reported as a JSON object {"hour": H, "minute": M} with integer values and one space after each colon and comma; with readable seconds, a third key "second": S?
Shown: {"hour": 10, "minute": 23}
